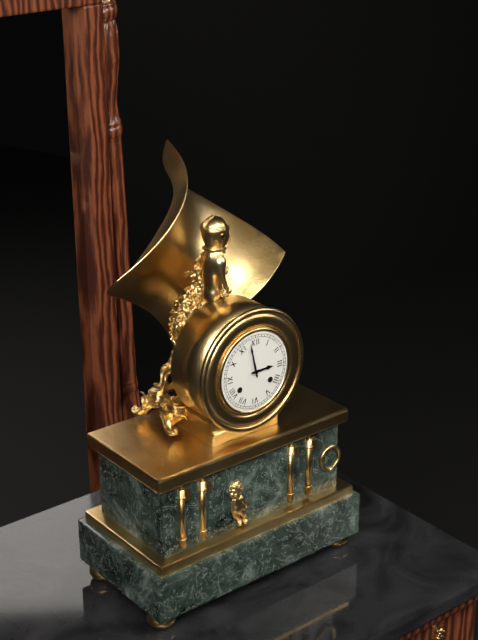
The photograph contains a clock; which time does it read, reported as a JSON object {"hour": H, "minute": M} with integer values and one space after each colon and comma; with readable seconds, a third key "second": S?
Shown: {"hour": 2, "minute": 58}
